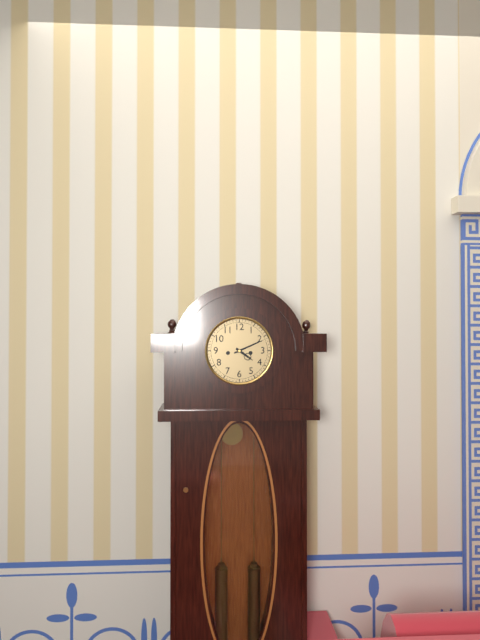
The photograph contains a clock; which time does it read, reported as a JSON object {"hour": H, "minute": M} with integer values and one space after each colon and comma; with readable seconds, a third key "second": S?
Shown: {"hour": 4, "minute": 11}
